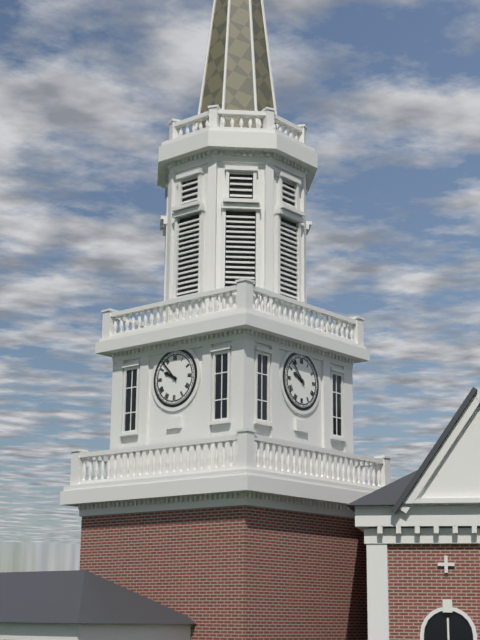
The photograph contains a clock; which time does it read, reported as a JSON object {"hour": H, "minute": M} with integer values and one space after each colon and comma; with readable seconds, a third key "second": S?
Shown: {"hour": 9, "minute": 53}
